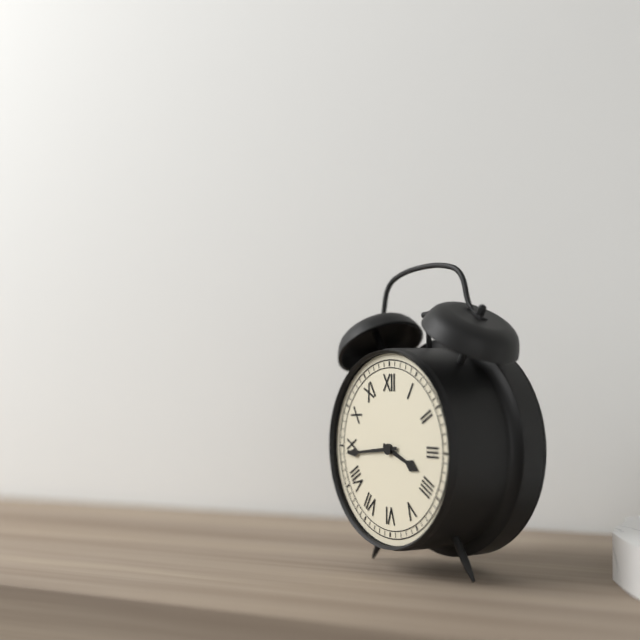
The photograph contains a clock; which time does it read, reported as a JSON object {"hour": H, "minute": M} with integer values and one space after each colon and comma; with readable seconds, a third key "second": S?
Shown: {"hour": 3, "minute": 44}
